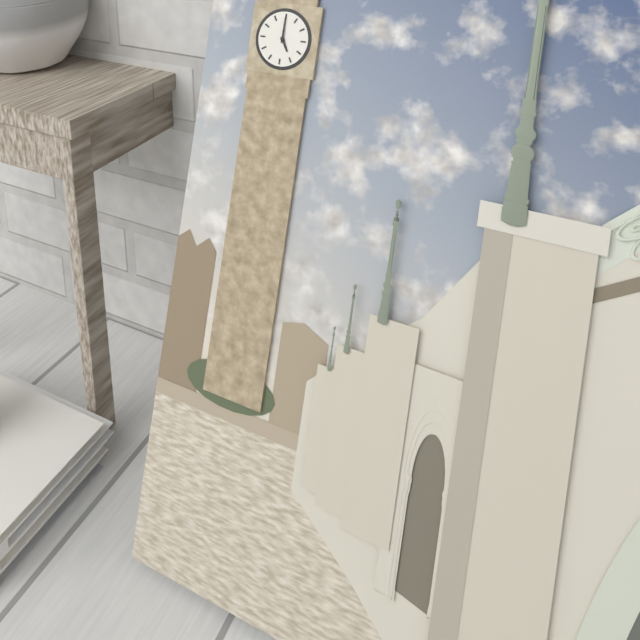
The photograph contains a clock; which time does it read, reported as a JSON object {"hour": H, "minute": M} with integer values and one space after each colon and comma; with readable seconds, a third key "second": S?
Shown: {"hour": 5, "minute": 0}
